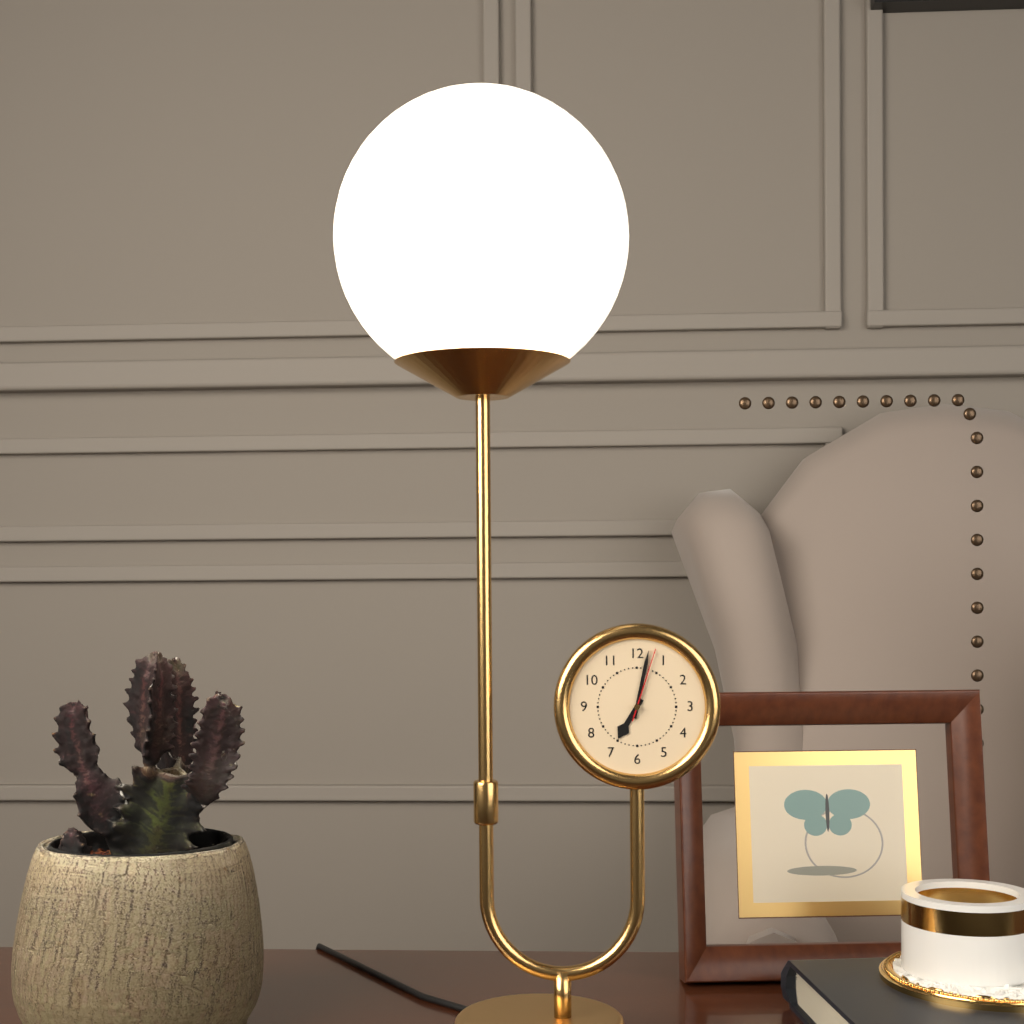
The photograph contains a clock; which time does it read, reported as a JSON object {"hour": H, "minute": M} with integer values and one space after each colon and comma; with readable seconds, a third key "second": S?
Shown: {"hour": 7, "minute": 2, "second": 3}
